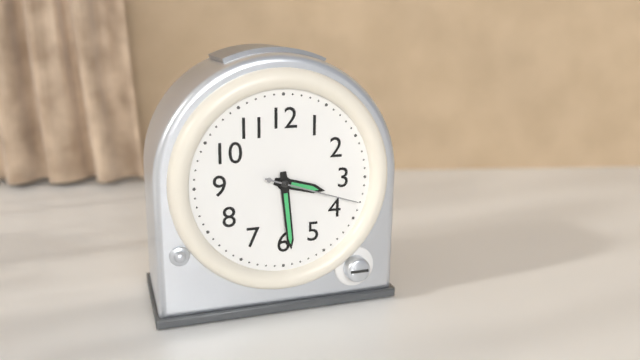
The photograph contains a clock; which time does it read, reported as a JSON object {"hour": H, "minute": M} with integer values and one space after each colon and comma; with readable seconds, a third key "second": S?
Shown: {"hour": 3, "minute": 29, "second": 18}
